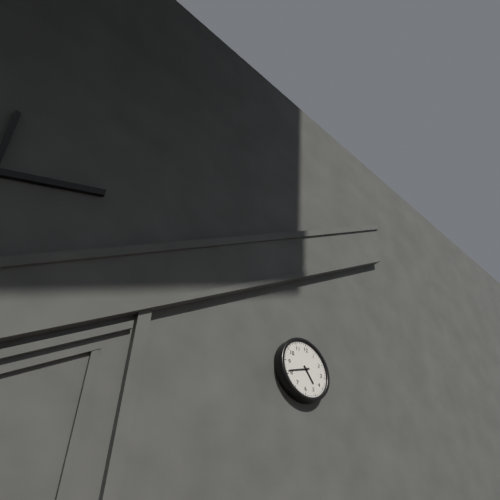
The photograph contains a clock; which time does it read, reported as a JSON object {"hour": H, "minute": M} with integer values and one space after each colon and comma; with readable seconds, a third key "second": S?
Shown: {"hour": 4, "minute": 41}
